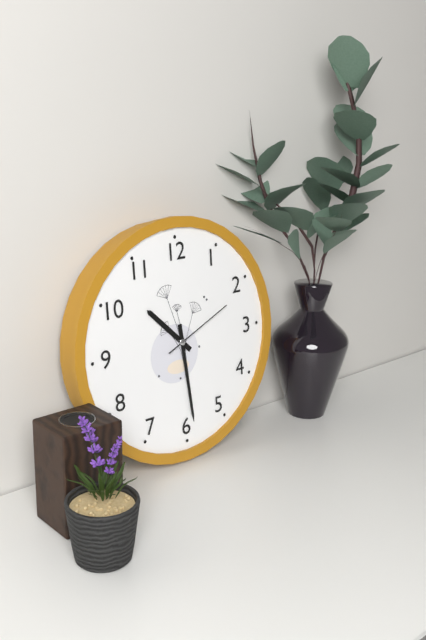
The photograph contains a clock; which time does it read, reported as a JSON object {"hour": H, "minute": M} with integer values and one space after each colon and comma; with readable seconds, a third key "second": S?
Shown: {"hour": 10, "minute": 29, "second": 11}
